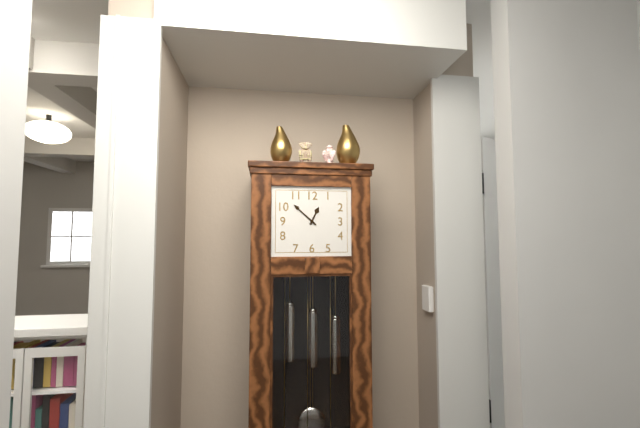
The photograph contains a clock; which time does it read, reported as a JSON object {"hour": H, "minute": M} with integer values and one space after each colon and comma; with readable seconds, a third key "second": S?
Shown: {"hour": 12, "minute": 52}
